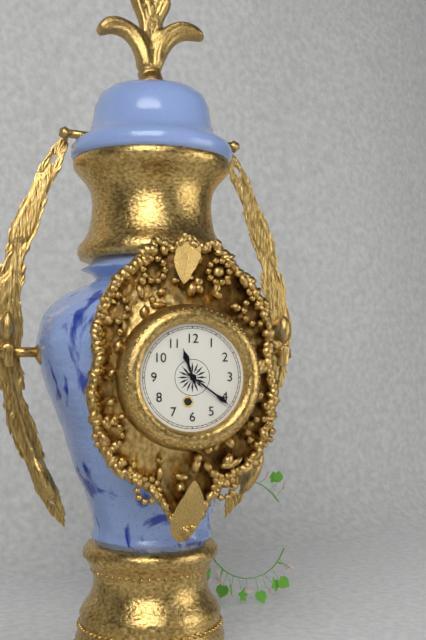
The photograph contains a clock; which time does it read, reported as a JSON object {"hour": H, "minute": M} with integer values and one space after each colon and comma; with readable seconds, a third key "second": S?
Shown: {"hour": 11, "minute": 21}
